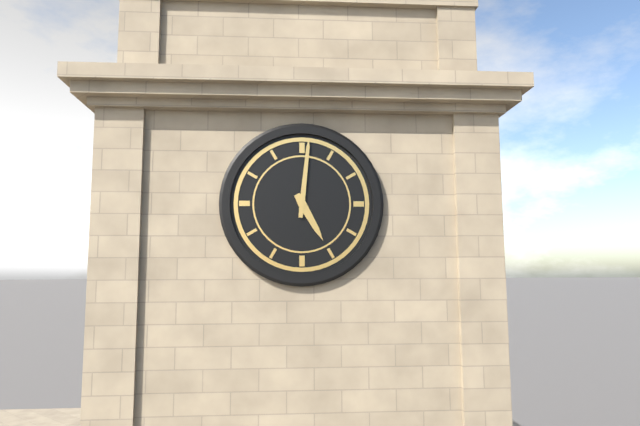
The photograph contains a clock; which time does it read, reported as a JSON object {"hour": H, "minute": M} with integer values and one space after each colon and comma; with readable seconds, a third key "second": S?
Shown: {"hour": 5, "minute": 1}
